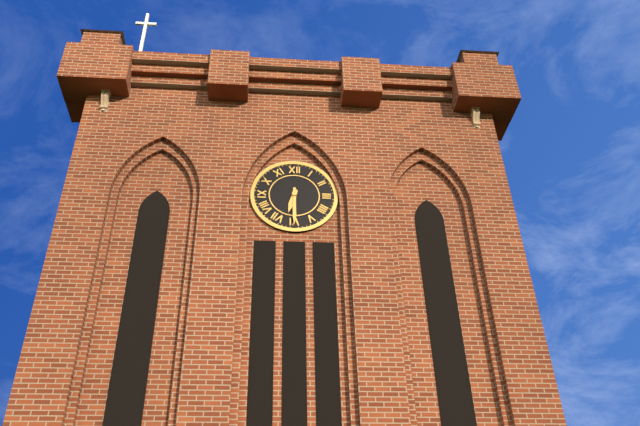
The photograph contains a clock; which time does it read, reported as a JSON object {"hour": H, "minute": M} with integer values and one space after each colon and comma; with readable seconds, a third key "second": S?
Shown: {"hour": 6, "minute": 30}
